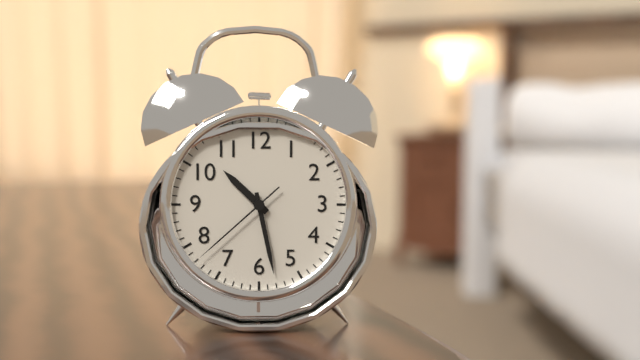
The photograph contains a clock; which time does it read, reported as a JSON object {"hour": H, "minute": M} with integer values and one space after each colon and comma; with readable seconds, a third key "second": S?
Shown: {"hour": 10, "minute": 28, "second": 38}
